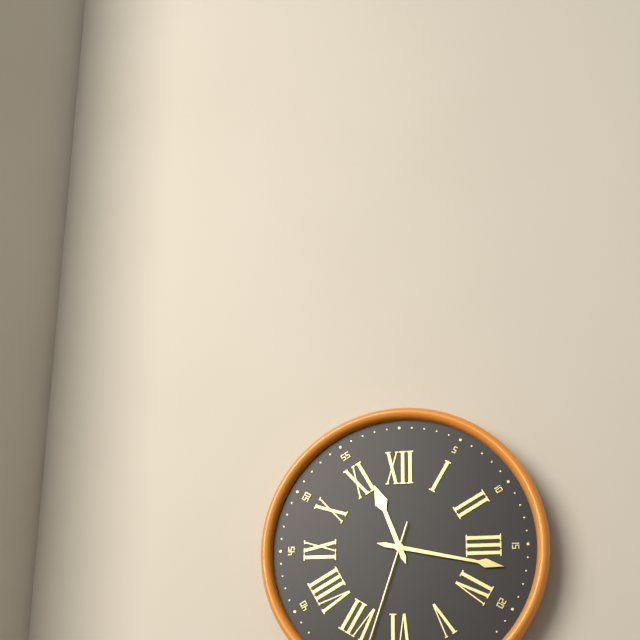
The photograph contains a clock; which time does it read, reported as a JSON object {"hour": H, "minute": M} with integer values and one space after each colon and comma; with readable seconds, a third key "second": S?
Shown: {"hour": 11, "minute": 17}
